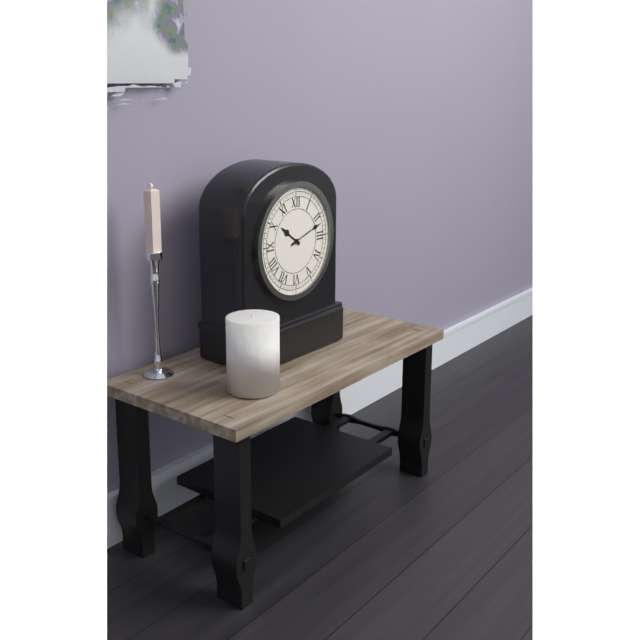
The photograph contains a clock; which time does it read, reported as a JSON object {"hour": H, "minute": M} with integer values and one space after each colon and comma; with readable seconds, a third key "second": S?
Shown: {"hour": 10, "minute": 12}
